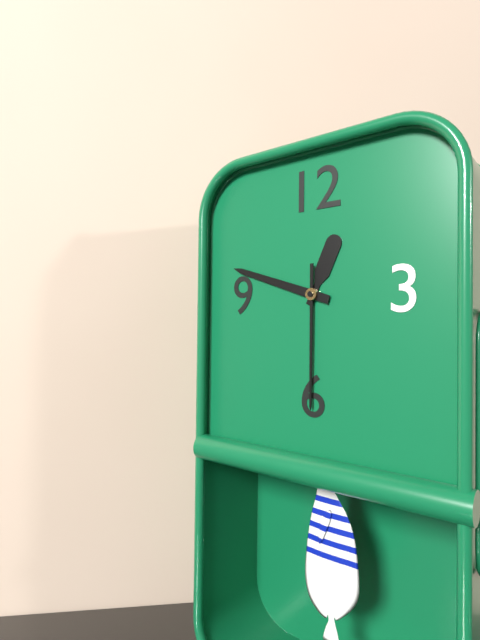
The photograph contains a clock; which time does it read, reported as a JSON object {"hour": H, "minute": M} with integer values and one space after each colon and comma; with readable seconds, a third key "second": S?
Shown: {"hour": 12, "minute": 48, "second": 30}
